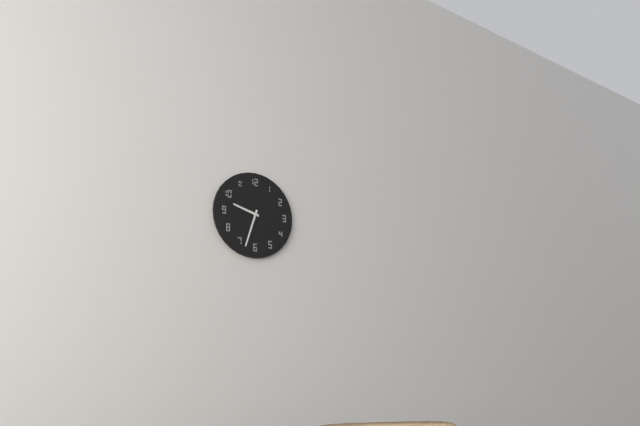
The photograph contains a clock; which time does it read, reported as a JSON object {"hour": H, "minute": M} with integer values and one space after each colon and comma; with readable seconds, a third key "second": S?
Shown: {"hour": 9, "minute": 33}
